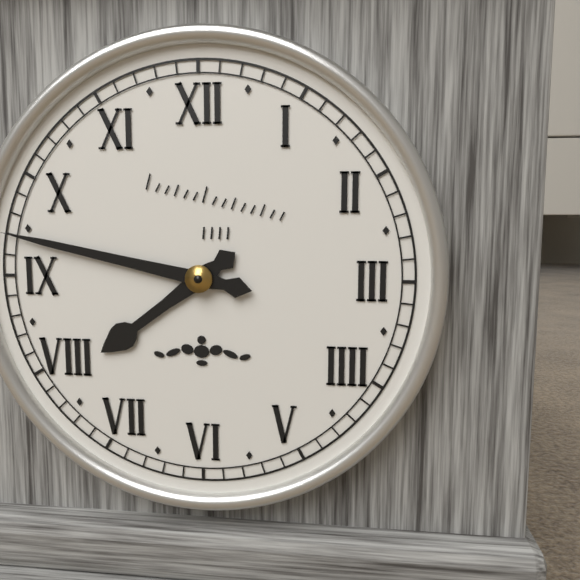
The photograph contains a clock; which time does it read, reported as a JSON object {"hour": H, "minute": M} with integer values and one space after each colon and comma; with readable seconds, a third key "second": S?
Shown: {"hour": 7, "minute": 47}
